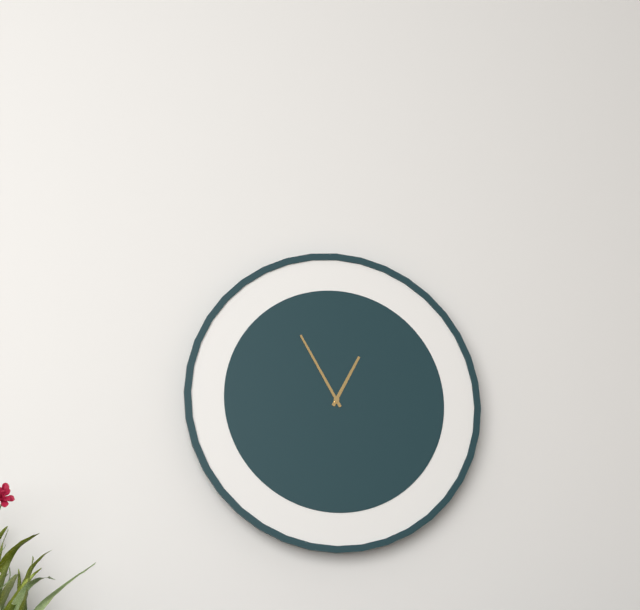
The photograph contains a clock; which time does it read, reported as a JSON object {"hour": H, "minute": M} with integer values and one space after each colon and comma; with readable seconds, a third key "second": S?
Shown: {"hour": 12, "minute": 55}
